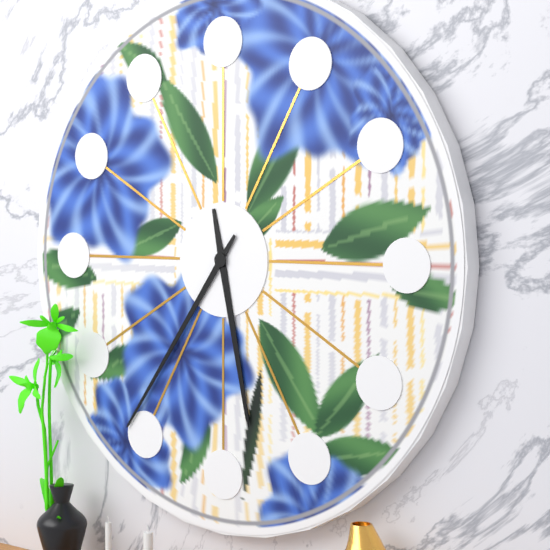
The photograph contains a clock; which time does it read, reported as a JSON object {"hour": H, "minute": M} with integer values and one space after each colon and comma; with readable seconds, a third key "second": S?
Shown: {"hour": 5, "minute": 36}
